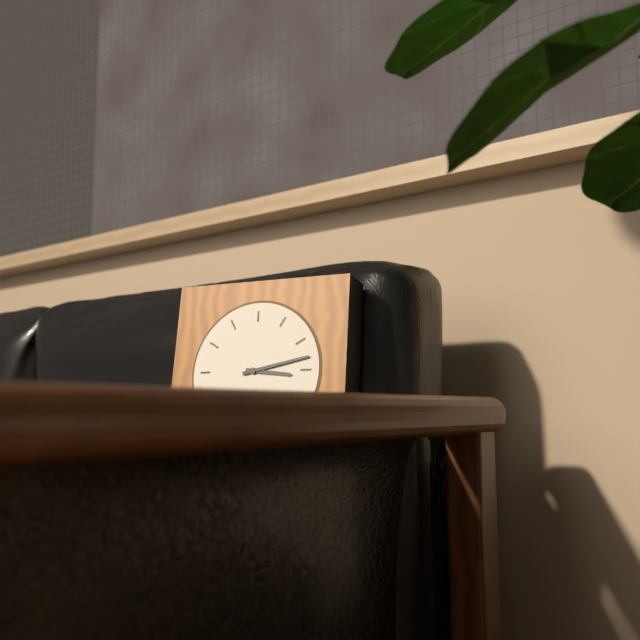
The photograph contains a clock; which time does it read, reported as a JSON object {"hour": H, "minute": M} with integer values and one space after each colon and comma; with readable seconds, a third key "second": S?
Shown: {"hour": 3, "minute": 13}
